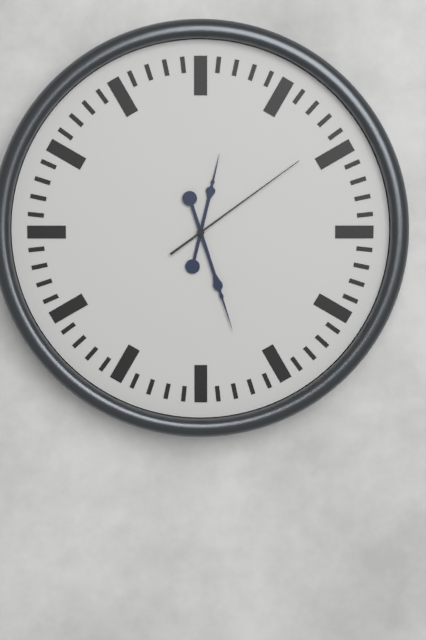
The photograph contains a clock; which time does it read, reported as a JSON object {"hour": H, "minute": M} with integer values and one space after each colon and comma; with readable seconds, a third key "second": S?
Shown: {"hour": 12, "minute": 27, "second": 9}
